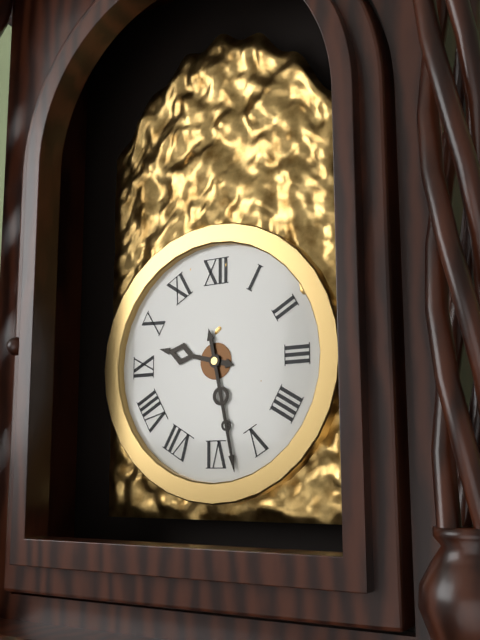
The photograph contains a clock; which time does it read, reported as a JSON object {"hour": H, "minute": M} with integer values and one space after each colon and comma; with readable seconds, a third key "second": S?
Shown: {"hour": 9, "minute": 28}
